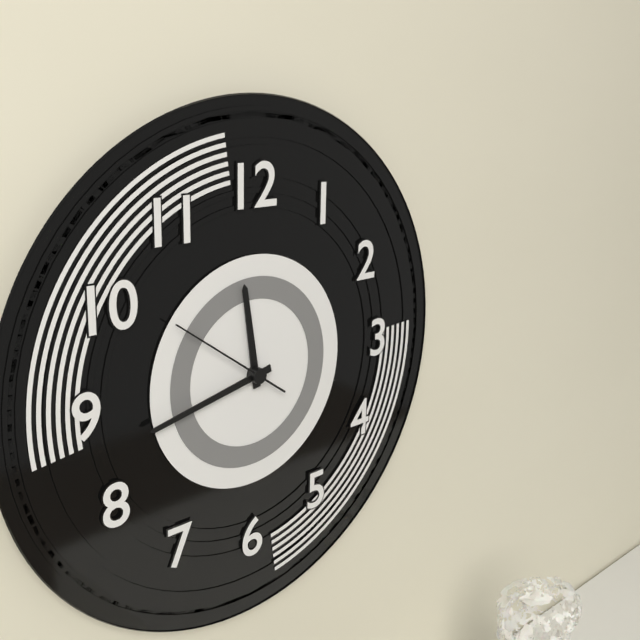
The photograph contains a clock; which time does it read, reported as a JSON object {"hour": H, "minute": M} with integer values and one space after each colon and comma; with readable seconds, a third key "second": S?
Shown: {"hour": 11, "minute": 43, "second": 51}
